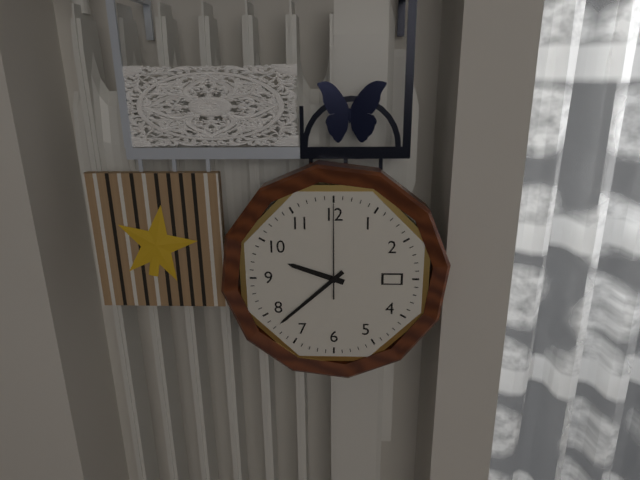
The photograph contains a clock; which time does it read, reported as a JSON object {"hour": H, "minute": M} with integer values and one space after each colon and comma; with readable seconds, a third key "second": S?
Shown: {"hour": 9, "minute": 38, "second": 0}
